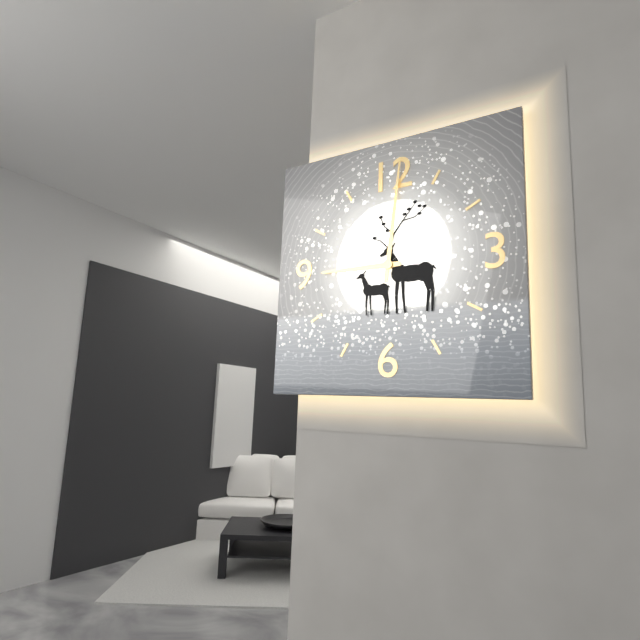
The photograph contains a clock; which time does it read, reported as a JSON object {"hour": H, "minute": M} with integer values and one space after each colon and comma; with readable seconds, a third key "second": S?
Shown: {"hour": 9, "minute": 1}
